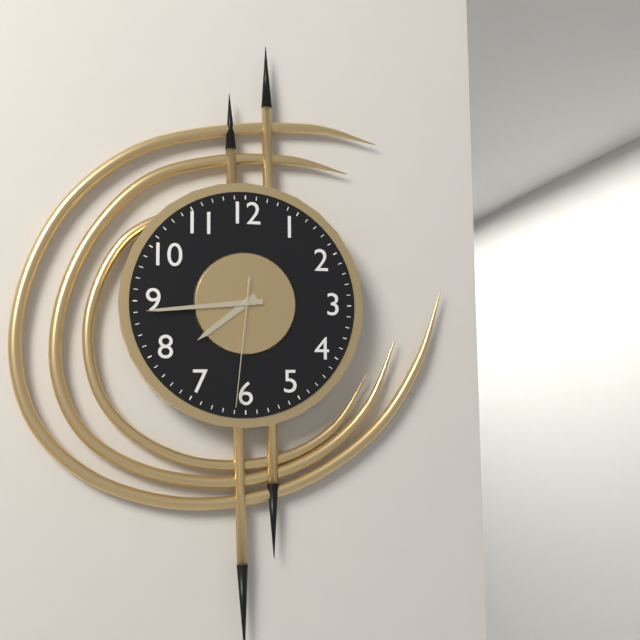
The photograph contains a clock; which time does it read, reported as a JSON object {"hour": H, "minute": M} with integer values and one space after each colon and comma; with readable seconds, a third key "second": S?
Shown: {"hour": 7, "minute": 44, "second": 31}
